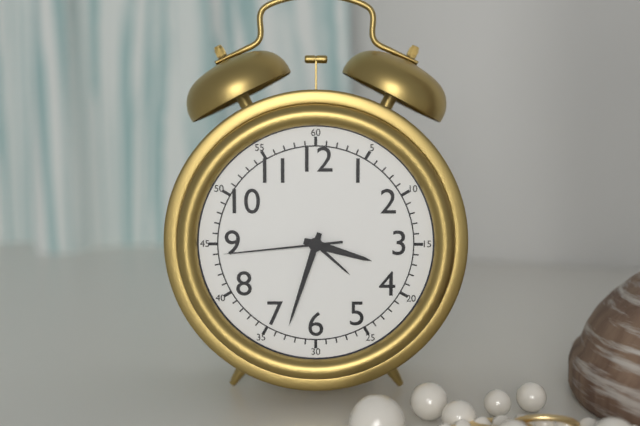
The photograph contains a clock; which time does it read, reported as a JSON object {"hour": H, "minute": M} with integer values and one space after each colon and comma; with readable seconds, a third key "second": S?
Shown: {"hour": 3, "minute": 33, "second": 44}
